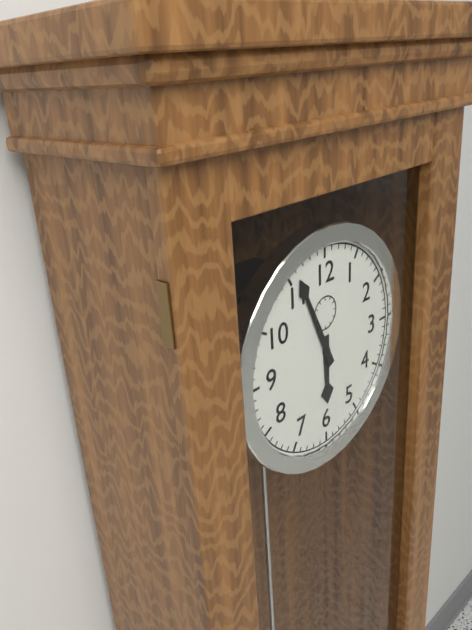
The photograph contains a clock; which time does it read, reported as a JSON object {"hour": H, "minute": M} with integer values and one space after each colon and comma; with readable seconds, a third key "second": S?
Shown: {"hour": 5, "minute": 56}
